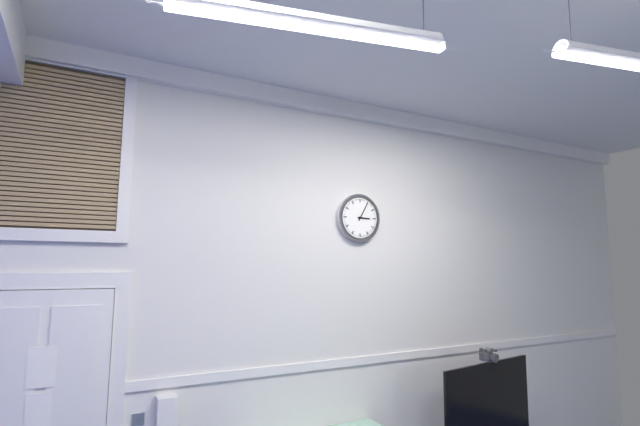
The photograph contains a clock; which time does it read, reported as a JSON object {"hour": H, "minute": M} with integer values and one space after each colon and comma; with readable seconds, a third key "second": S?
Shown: {"hour": 3, "minute": 5}
